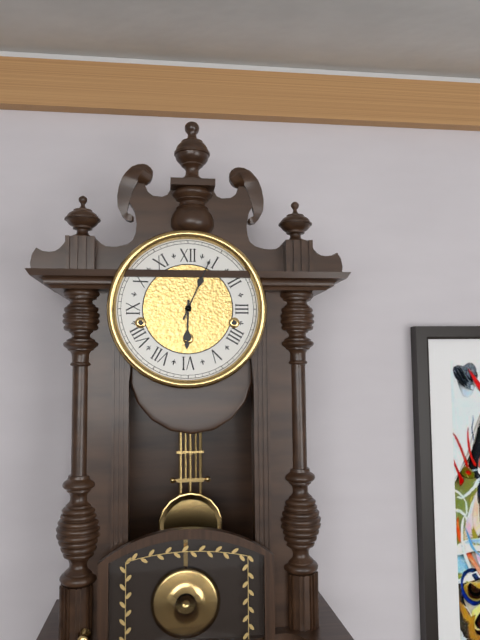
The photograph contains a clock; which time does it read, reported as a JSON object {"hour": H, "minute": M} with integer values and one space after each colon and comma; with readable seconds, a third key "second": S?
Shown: {"hour": 6, "minute": 4}
